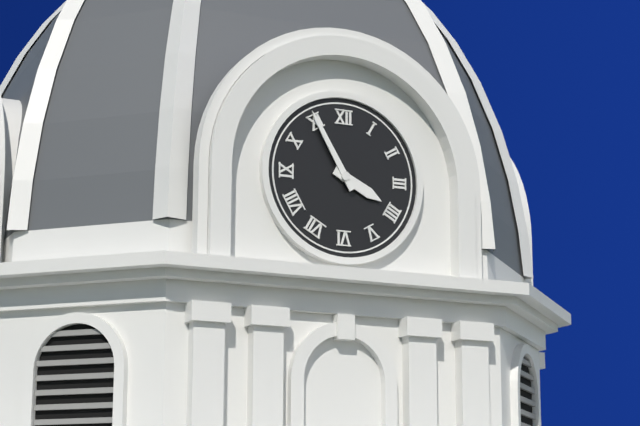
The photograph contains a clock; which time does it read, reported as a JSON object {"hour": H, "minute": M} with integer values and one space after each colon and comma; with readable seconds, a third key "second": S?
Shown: {"hour": 3, "minute": 55}
